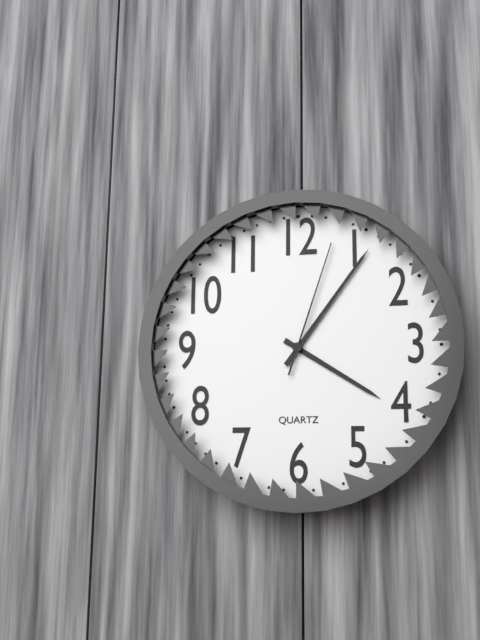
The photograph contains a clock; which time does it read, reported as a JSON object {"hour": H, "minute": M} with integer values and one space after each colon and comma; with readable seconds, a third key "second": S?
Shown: {"hour": 4, "minute": 6, "second": 3}
